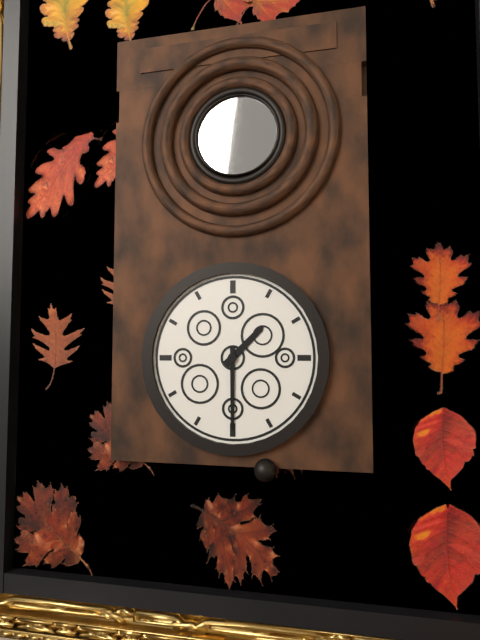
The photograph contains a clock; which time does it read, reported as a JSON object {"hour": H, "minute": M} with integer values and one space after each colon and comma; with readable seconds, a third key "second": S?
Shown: {"hour": 1, "minute": 30}
